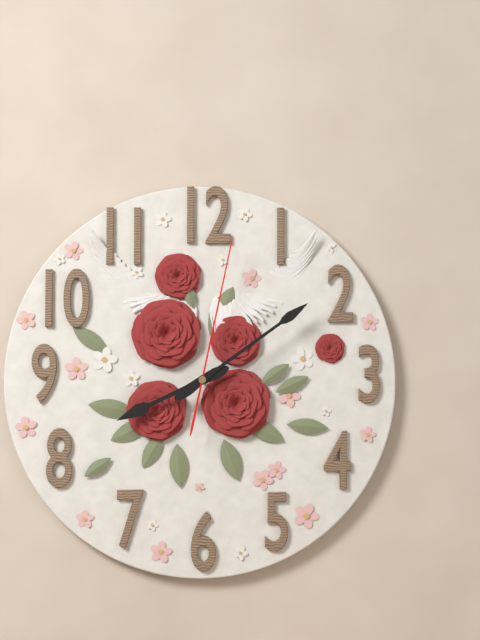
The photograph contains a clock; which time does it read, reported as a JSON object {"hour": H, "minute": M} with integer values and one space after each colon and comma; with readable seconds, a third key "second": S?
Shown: {"hour": 8, "minute": 9, "second": 2}
